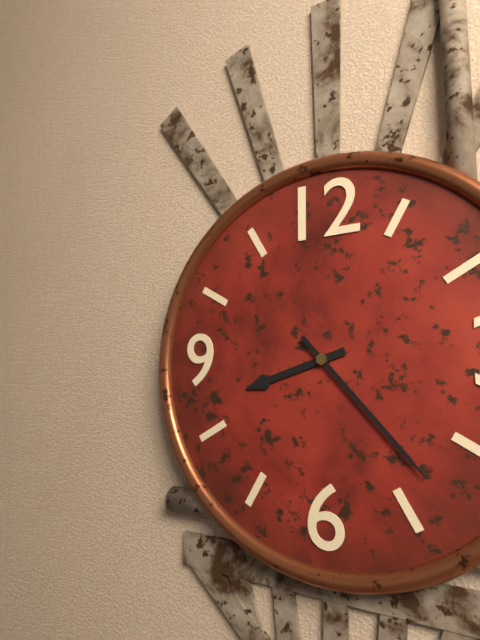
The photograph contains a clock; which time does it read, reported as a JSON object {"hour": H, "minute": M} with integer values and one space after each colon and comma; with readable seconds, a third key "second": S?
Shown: {"hour": 8, "minute": 23}
